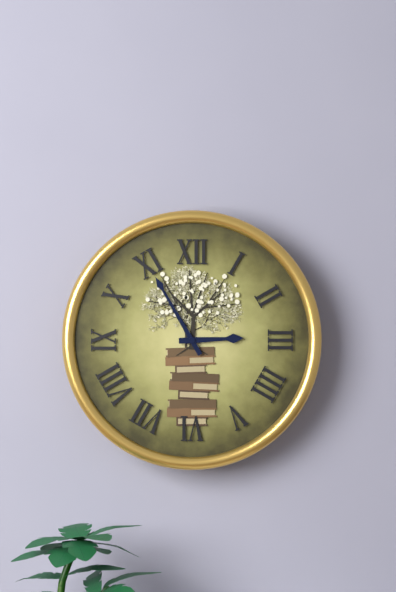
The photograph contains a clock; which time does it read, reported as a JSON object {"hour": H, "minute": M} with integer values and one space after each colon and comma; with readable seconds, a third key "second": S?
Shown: {"hour": 2, "minute": 55}
